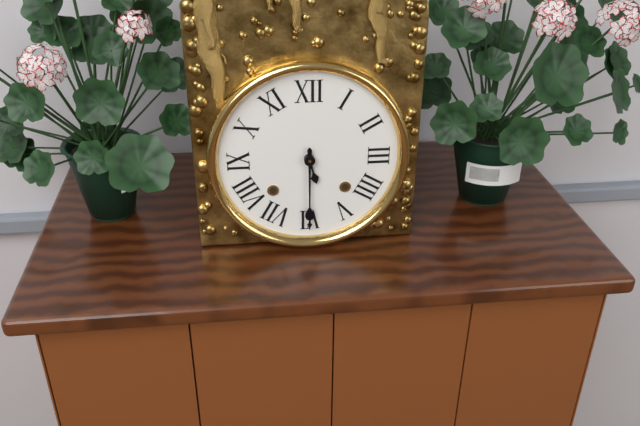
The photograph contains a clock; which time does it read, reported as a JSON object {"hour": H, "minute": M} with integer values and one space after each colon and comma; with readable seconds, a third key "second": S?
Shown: {"hour": 5, "minute": 30}
